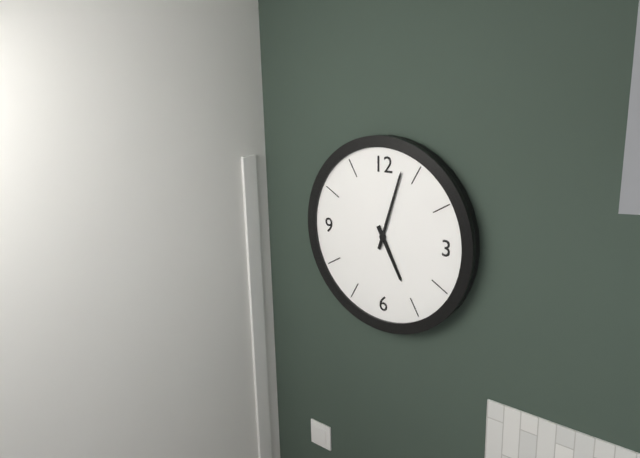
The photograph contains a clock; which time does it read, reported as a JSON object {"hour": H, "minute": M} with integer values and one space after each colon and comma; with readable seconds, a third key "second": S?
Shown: {"hour": 5, "minute": 3}
